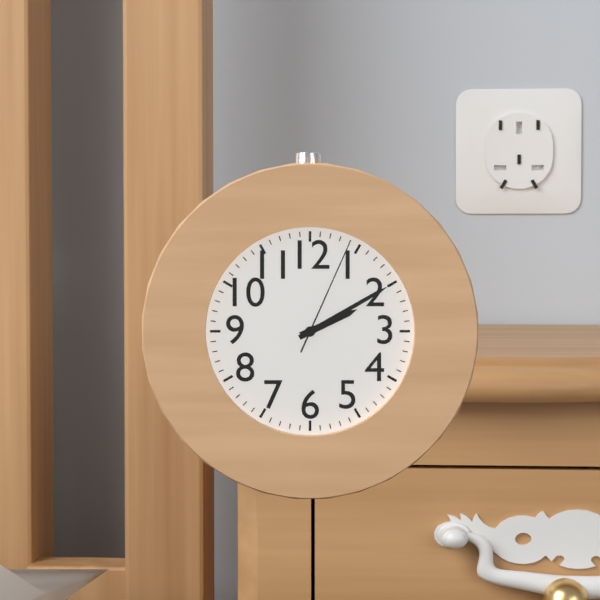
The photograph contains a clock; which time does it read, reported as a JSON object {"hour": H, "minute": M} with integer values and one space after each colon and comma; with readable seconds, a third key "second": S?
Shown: {"hour": 2, "minute": 10, "second": 4}
